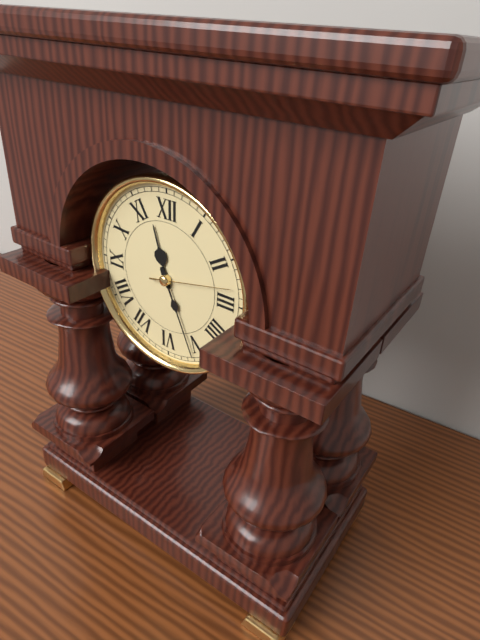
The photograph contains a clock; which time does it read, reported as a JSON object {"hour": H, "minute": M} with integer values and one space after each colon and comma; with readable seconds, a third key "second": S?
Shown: {"hour": 11, "minute": 26, "second": 13}
